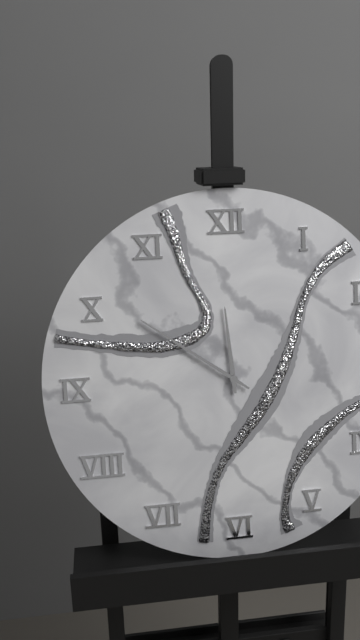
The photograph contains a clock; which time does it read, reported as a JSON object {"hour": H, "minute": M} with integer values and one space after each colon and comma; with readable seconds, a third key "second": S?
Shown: {"hour": 11, "minute": 51}
